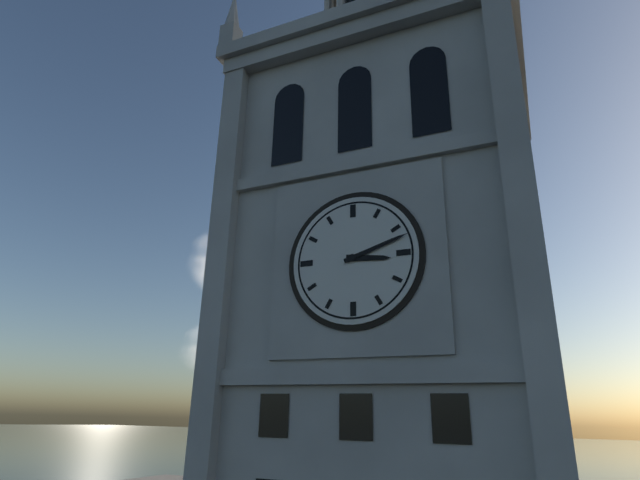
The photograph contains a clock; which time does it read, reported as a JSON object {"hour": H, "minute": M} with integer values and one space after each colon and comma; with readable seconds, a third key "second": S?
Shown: {"hour": 3, "minute": 12}
